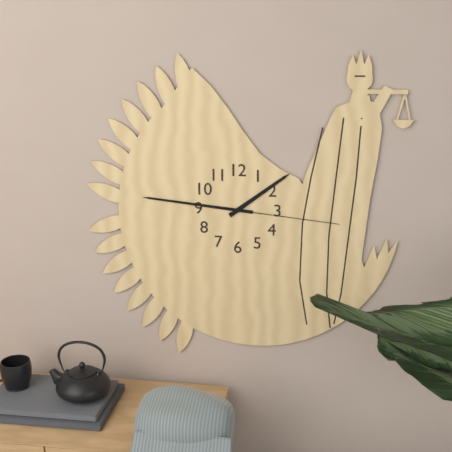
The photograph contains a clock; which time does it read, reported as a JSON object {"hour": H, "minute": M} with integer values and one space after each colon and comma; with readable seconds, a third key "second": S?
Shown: {"hour": 1, "minute": 46, "second": 16}
